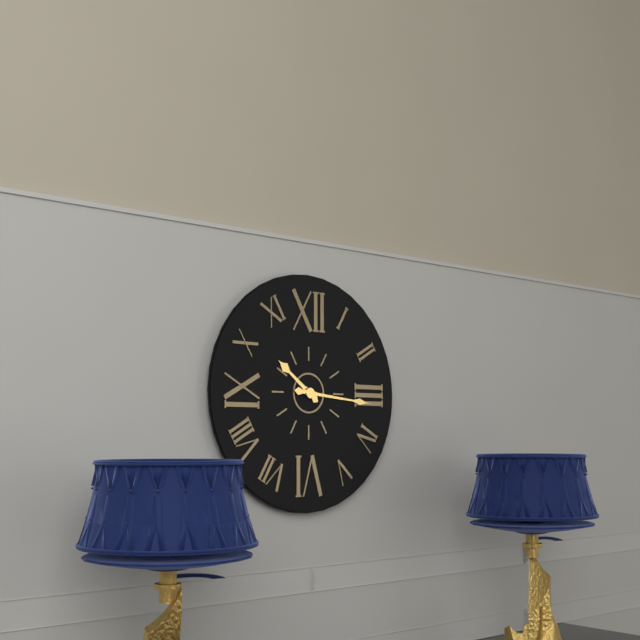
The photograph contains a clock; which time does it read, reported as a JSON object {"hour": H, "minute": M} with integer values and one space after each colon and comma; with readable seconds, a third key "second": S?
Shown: {"hour": 10, "minute": 16}
